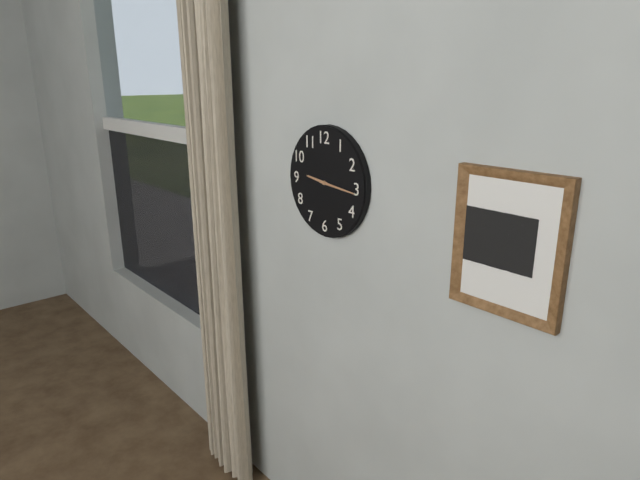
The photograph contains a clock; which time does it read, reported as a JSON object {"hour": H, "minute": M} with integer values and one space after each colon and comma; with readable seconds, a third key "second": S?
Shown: {"hour": 9, "minute": 16}
